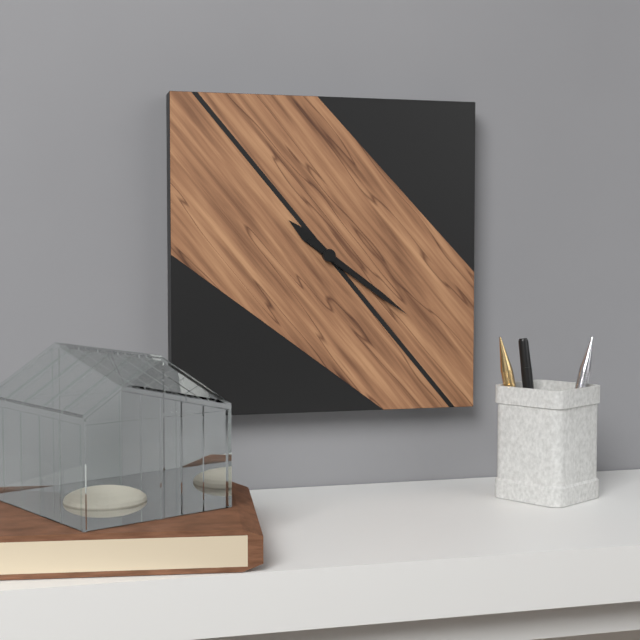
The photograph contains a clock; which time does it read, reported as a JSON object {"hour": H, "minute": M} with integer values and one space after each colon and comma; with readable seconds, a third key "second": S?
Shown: {"hour": 10, "minute": 21}
